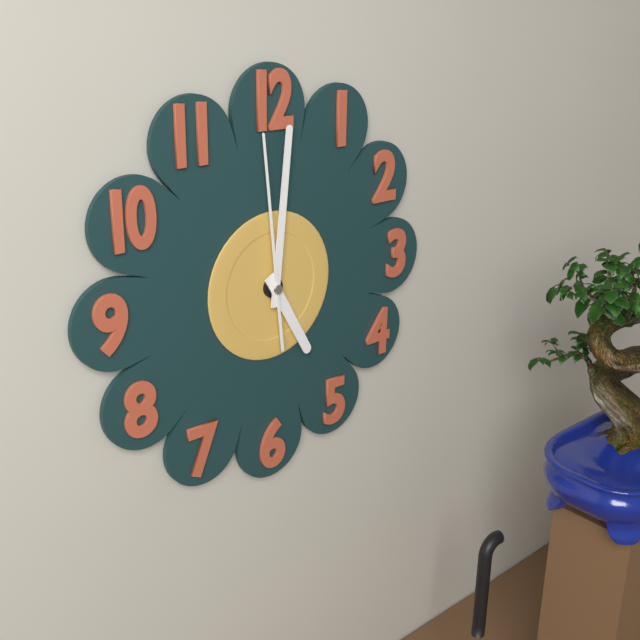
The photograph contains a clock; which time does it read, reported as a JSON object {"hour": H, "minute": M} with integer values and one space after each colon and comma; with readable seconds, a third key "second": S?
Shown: {"hour": 5, "minute": 1, "second": 59}
